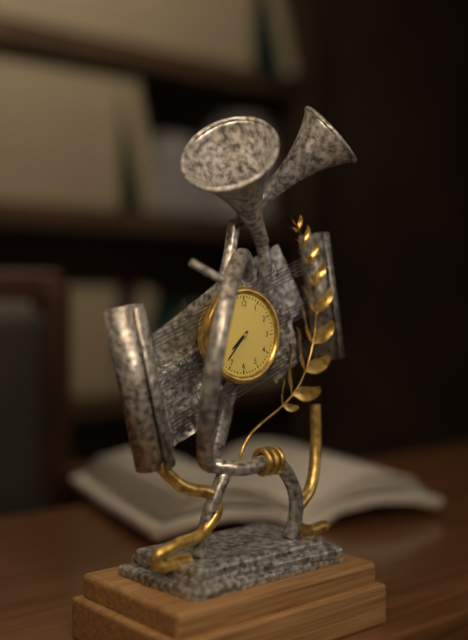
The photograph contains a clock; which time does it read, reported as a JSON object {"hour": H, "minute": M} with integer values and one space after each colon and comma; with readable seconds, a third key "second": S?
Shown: {"hour": 7, "minute": 37}
